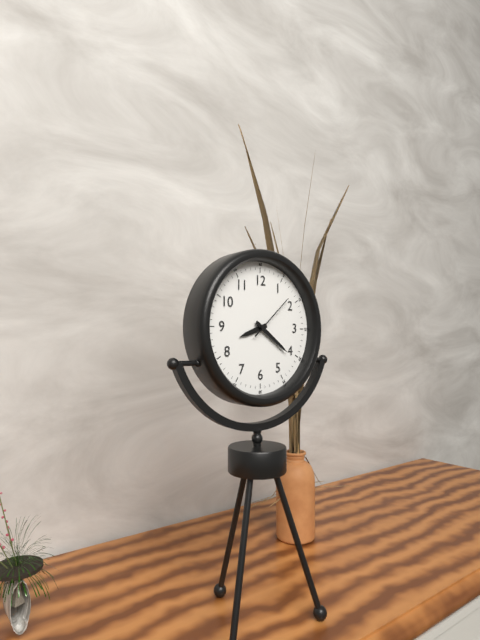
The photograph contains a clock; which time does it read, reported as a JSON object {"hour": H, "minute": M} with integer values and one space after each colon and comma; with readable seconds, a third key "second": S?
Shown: {"hour": 8, "minute": 21}
